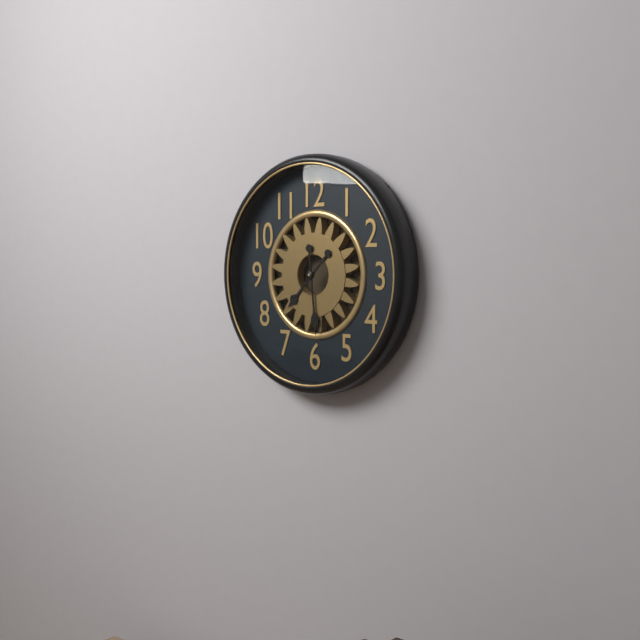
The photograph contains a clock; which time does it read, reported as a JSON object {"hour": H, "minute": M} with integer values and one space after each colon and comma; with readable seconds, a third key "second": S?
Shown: {"hour": 7, "minute": 29}
